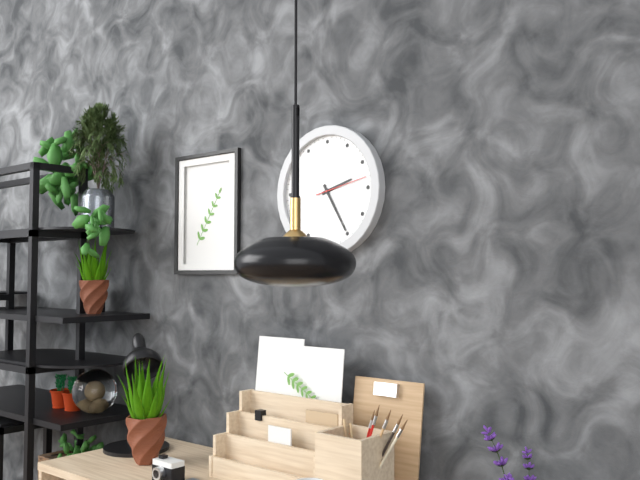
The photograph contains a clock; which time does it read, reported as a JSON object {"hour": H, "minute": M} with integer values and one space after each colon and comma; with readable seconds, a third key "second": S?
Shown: {"hour": 2, "minute": 25, "second": 13}
